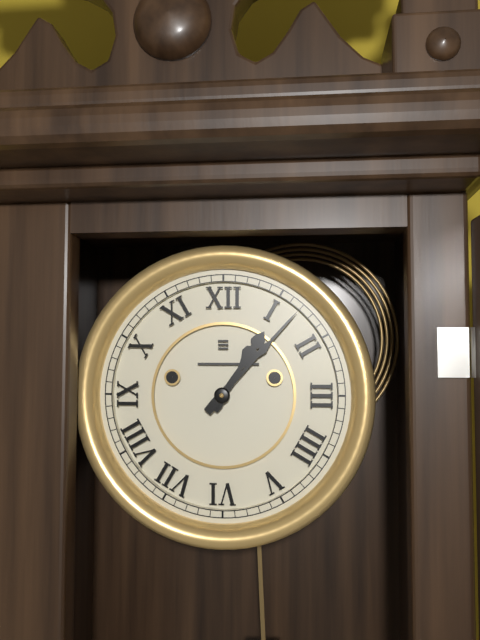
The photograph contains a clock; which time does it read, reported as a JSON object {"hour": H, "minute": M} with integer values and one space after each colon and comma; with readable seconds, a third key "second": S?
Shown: {"hour": 1, "minute": 7}
